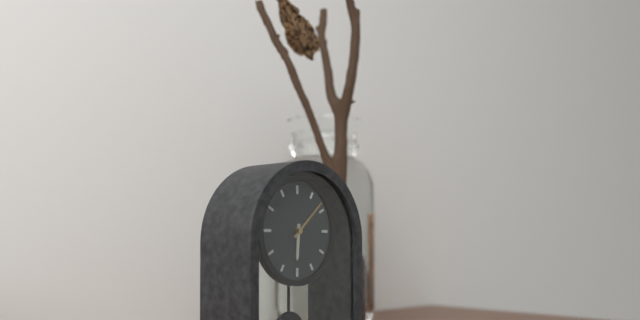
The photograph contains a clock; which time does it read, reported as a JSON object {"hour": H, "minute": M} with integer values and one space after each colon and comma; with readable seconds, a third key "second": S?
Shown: {"hour": 6, "minute": 8}
